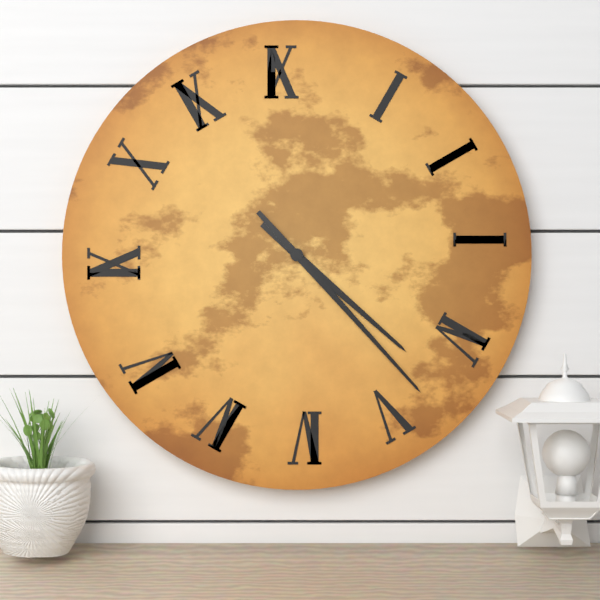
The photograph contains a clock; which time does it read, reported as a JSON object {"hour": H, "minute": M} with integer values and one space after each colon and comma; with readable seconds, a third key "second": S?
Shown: {"hour": 4, "minute": 23}
